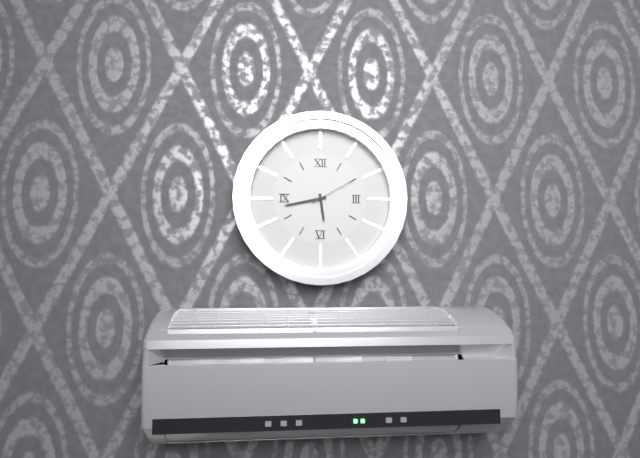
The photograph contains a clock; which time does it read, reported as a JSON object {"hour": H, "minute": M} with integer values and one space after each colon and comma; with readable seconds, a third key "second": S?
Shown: {"hour": 5, "minute": 43}
